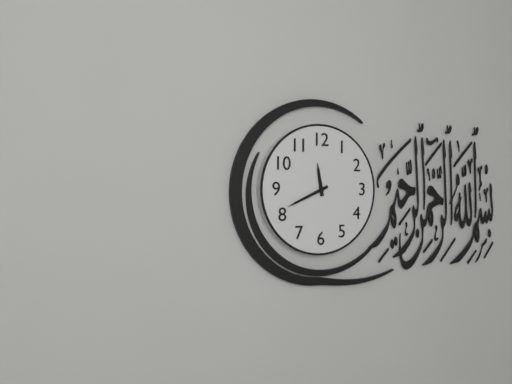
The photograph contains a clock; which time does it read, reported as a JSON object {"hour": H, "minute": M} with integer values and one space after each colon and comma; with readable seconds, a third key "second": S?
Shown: {"hour": 11, "minute": 41}
